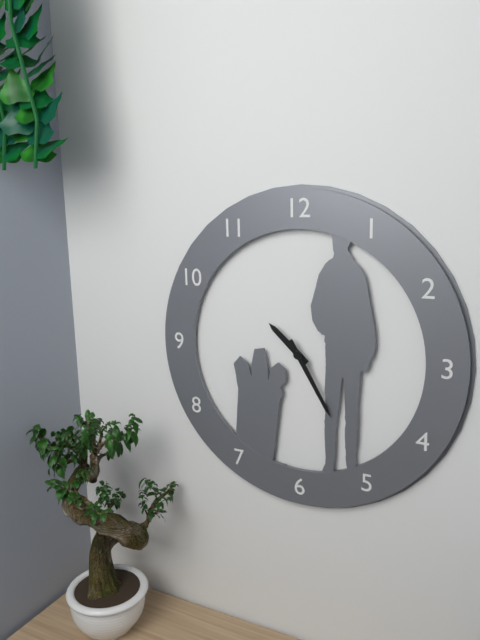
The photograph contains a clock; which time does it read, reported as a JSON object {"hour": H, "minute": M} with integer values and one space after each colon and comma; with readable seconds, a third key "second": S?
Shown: {"hour": 10, "minute": 25}
